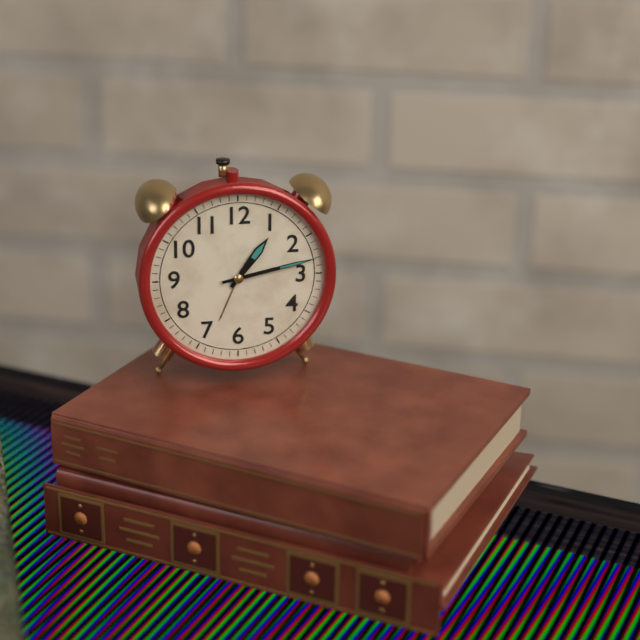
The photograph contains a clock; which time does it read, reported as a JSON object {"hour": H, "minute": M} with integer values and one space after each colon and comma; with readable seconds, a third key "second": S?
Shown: {"hour": 1, "minute": 13}
